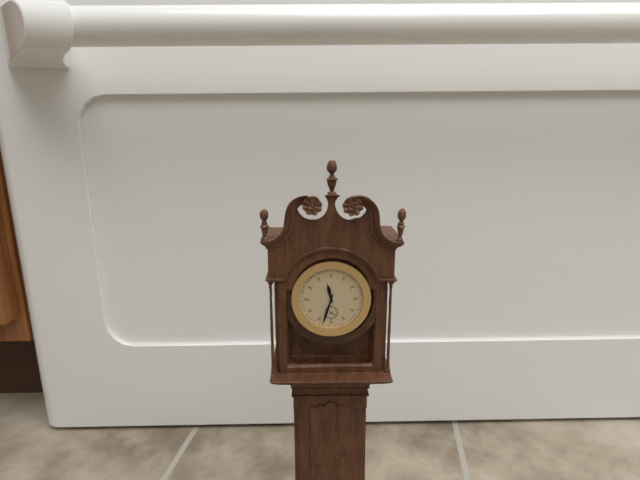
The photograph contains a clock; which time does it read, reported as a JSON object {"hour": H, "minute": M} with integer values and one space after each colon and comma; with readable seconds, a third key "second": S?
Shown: {"hour": 11, "minute": 33}
